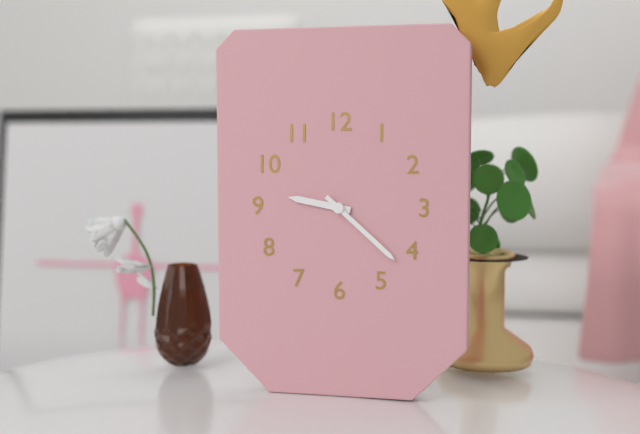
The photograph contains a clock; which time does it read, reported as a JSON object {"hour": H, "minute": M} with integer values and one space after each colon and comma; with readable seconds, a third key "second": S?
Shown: {"hour": 9, "minute": 22}
